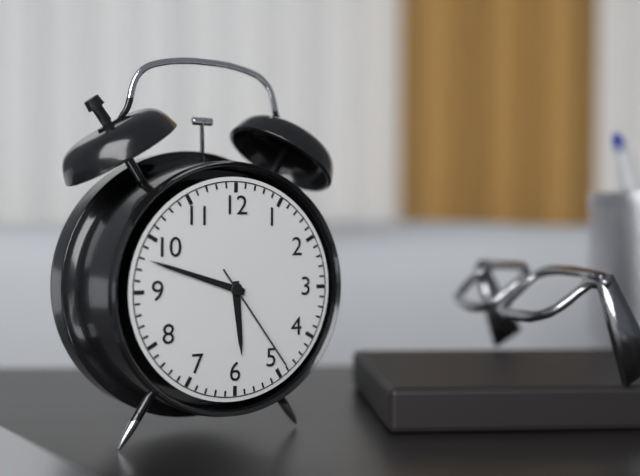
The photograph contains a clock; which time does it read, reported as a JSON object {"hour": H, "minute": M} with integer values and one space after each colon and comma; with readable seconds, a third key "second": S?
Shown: {"hour": 5, "minute": 48, "second": 24}
